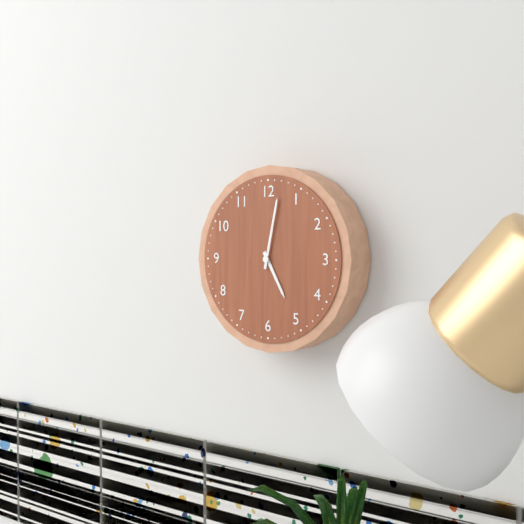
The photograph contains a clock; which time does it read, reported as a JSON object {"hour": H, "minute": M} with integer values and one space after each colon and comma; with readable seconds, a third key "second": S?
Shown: {"hour": 5, "minute": 2}
